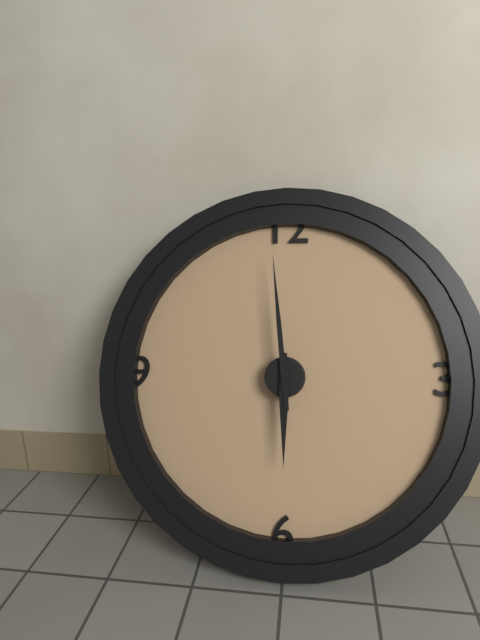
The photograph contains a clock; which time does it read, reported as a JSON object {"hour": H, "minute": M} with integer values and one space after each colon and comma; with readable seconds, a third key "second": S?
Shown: {"hour": 5, "minute": 59}
